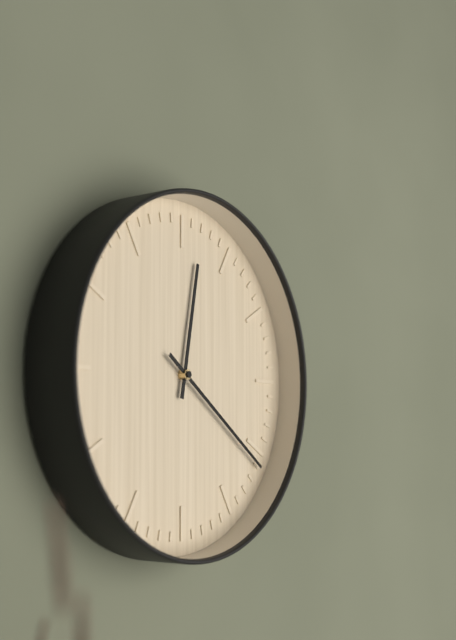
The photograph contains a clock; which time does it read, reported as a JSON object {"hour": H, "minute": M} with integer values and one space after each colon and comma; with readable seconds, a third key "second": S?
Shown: {"hour": 12, "minute": 21}
